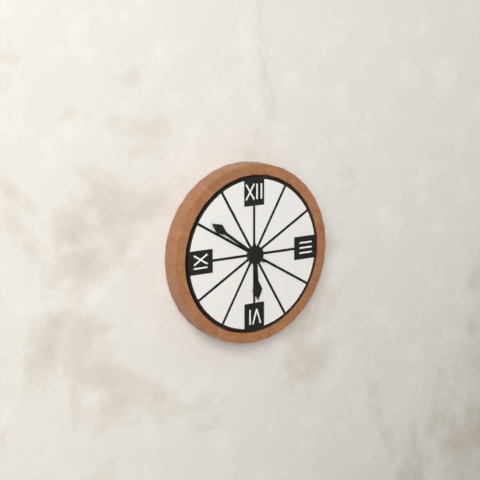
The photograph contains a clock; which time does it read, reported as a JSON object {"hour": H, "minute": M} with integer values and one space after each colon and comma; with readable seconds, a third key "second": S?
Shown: {"hour": 5, "minute": 51}
